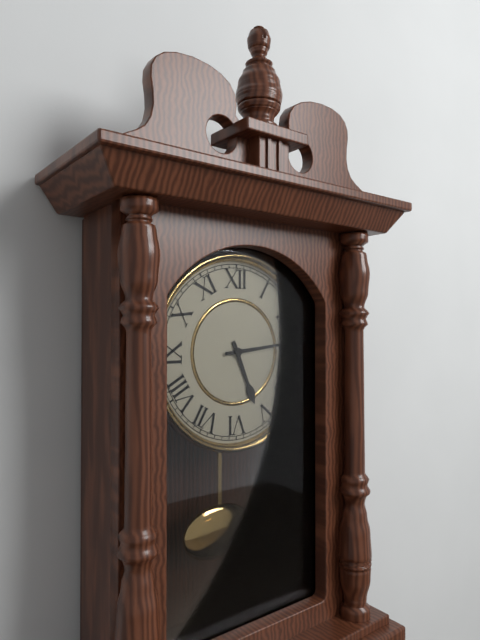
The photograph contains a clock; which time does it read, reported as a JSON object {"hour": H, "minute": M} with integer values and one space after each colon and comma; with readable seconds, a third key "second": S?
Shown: {"hour": 5, "minute": 14}
